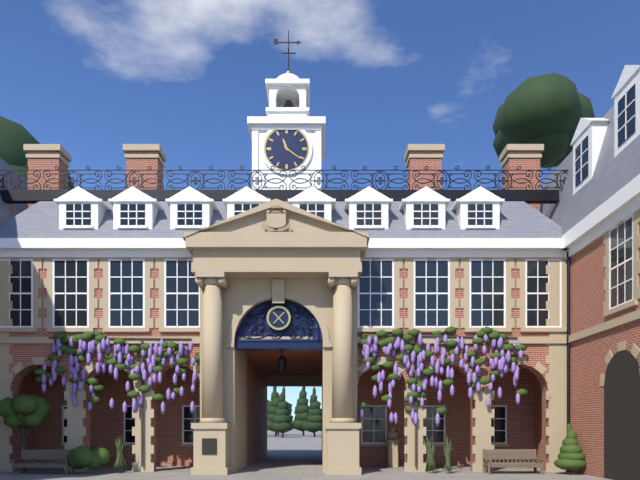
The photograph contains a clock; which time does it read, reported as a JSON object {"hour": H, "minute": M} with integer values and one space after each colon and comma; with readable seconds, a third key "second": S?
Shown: {"hour": 11, "minute": 21}
